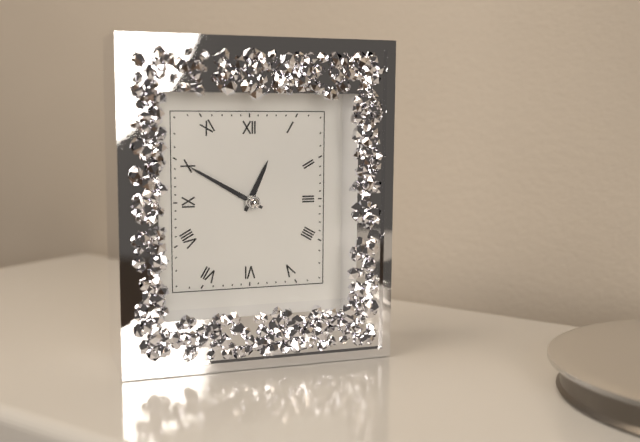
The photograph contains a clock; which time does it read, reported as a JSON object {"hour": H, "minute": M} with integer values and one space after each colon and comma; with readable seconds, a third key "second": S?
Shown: {"hour": 12, "minute": 50}
